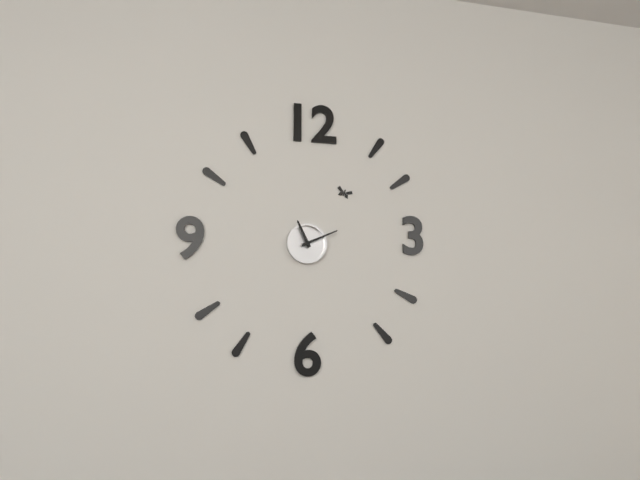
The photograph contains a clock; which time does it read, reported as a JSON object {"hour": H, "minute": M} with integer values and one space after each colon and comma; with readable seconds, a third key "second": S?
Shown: {"hour": 11, "minute": 11}
